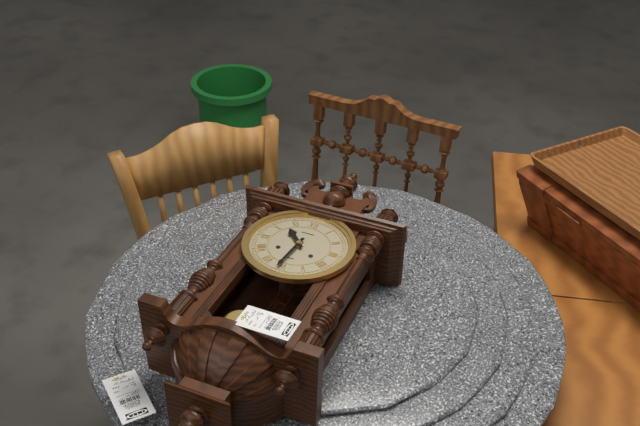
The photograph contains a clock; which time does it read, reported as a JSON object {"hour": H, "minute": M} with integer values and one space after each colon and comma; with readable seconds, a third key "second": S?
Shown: {"hour": 10, "minute": 31}
